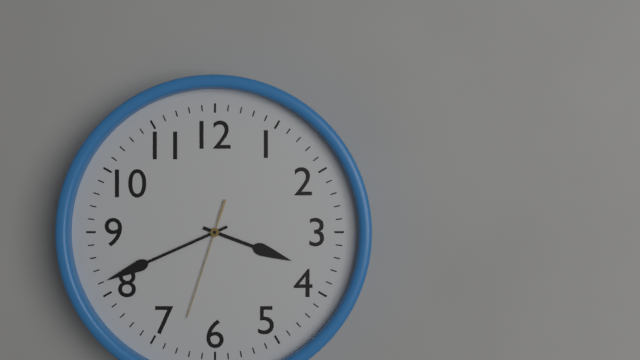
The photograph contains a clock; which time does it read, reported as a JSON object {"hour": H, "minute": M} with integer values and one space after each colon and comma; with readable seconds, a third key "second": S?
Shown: {"hour": 3, "minute": 41, "second": 33}
